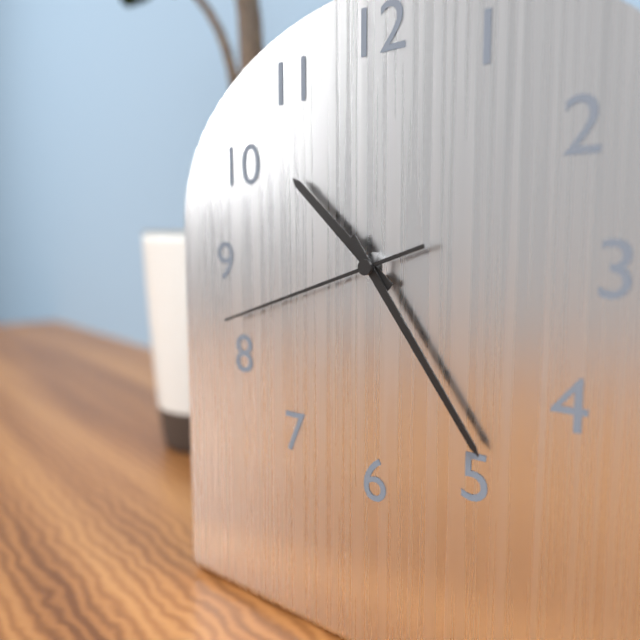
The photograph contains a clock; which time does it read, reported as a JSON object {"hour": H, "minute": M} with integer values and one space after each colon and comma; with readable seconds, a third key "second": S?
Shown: {"hour": 10, "minute": 24, "second": 42}
